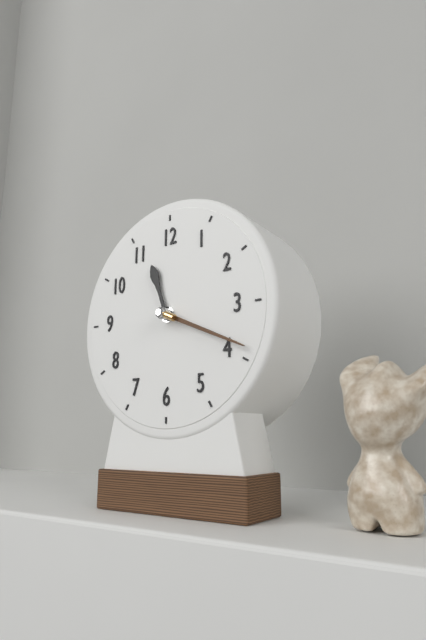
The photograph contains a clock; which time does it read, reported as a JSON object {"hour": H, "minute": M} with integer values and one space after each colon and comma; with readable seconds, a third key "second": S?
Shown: {"hour": 11, "minute": 19}
